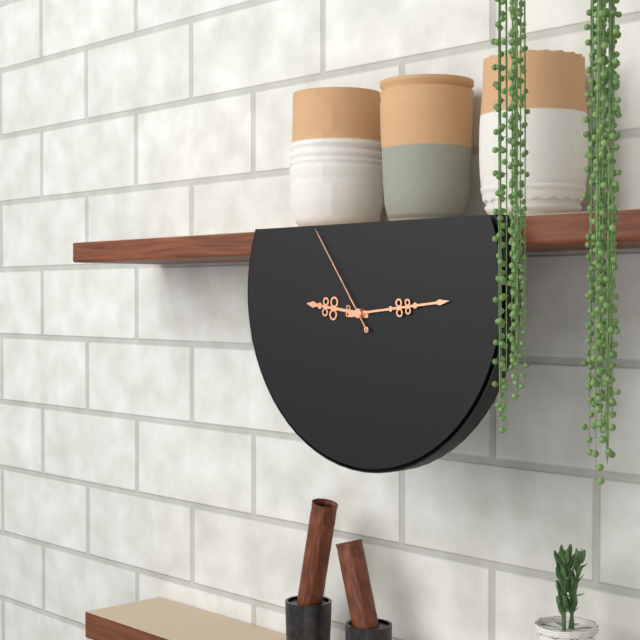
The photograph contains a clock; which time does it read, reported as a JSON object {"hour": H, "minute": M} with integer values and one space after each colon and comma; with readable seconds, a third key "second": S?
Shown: {"hour": 9, "minute": 14, "second": 54}
